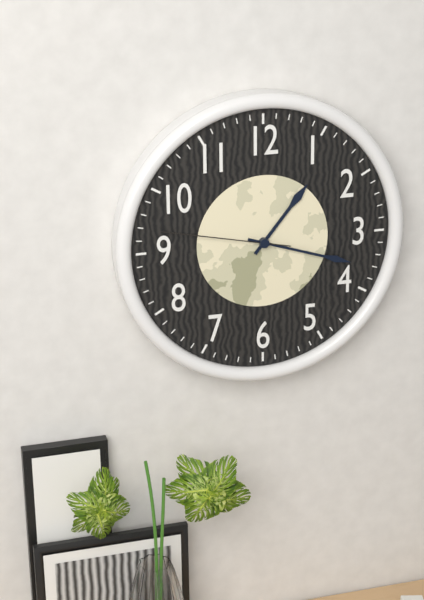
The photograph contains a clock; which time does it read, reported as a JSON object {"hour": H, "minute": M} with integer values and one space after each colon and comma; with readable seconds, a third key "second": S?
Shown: {"hour": 1, "minute": 18, "second": 47}
